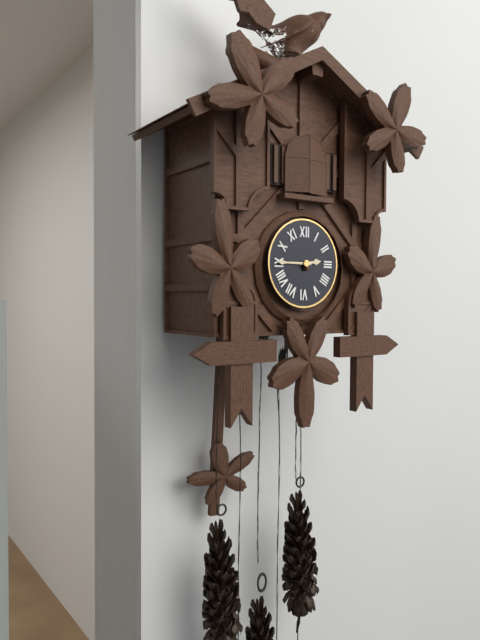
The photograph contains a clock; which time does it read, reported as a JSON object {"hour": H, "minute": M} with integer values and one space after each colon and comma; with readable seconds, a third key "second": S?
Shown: {"hour": 2, "minute": 45}
